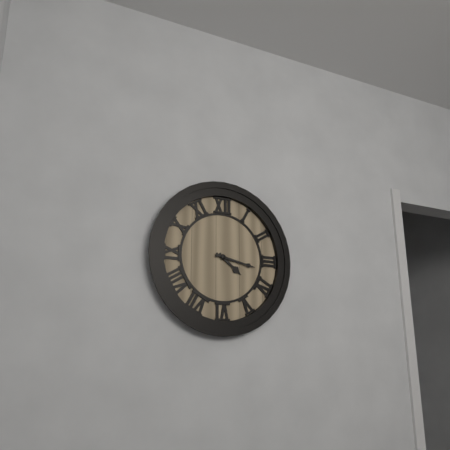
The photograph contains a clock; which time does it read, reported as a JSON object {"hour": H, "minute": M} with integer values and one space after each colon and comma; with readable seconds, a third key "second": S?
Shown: {"hour": 4, "minute": 17}
